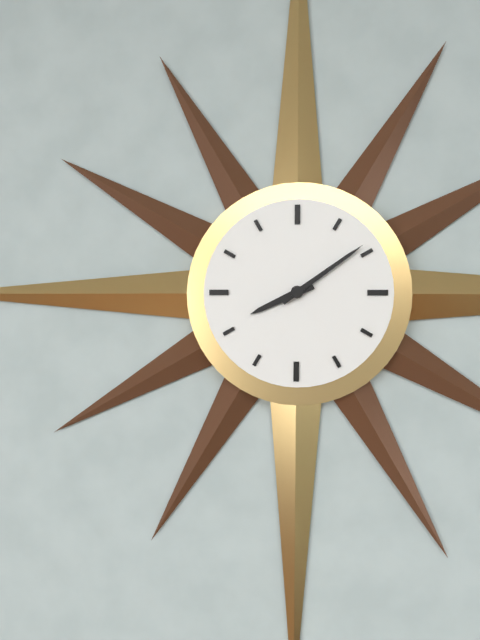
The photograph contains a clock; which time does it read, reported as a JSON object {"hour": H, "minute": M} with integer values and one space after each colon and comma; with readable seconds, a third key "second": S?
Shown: {"hour": 8, "minute": 9}
